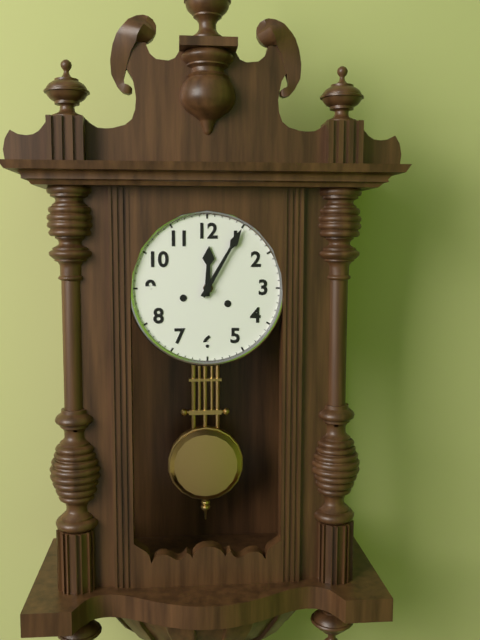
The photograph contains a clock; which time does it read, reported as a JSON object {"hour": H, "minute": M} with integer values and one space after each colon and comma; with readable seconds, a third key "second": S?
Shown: {"hour": 12, "minute": 5}
